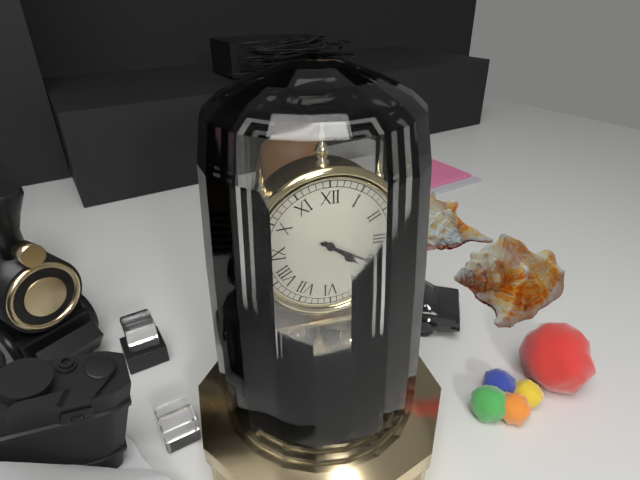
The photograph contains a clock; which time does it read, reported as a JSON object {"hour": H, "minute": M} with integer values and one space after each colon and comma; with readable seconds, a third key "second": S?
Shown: {"hour": 4, "minute": 20}
